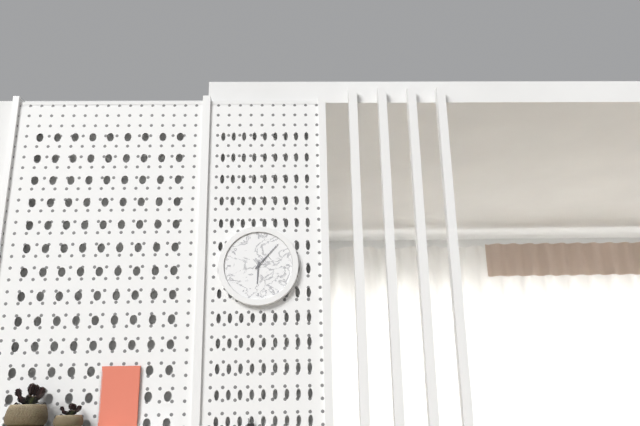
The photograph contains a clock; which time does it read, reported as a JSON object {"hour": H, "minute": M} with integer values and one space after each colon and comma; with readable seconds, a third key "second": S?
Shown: {"hour": 6, "minute": 7}
